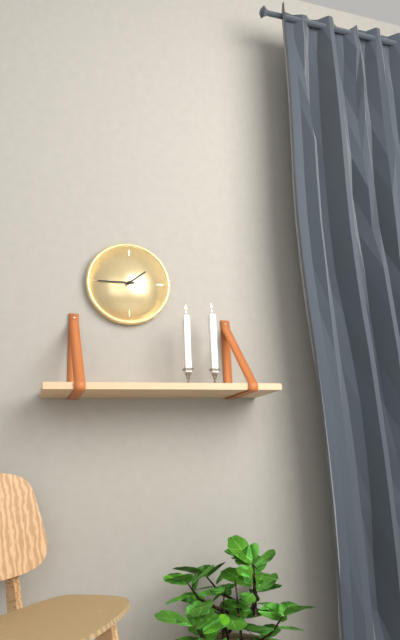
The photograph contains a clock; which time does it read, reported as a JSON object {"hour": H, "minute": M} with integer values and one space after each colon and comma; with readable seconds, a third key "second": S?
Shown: {"hour": 1, "minute": 45}
